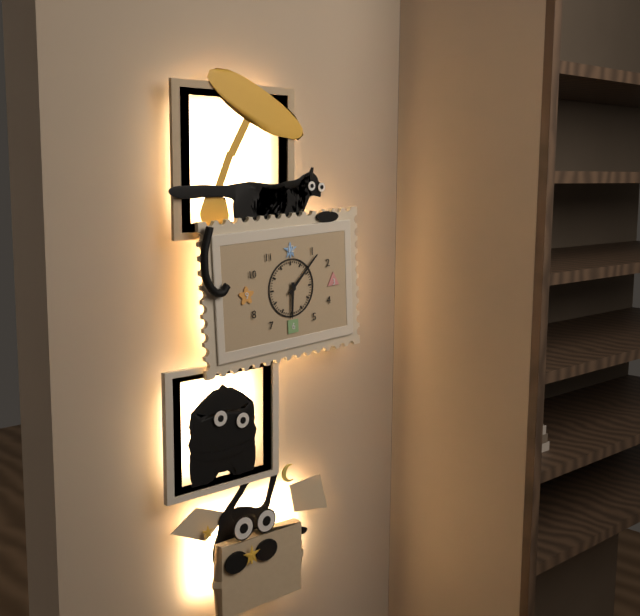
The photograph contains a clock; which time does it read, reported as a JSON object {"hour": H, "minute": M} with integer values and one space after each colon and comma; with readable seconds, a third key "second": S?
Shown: {"hour": 6, "minute": 8}
